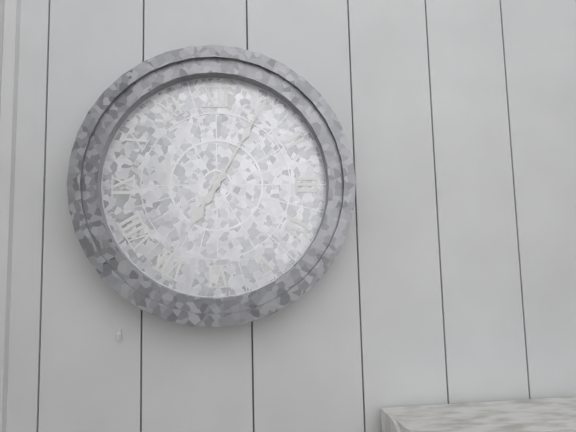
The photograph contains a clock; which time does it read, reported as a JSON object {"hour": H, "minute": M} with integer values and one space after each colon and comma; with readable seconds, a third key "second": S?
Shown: {"hour": 7, "minute": 5}
